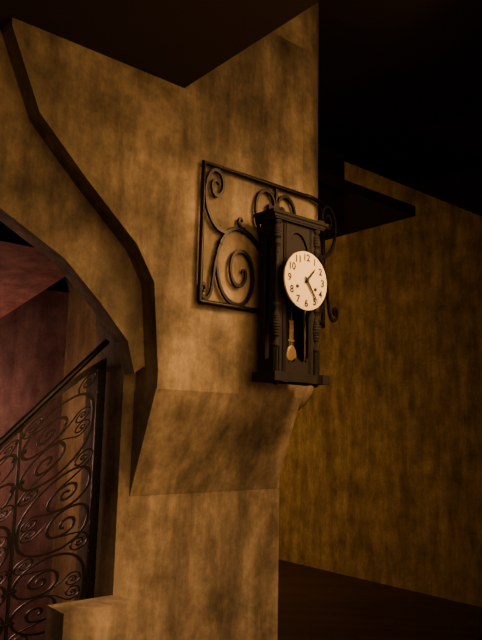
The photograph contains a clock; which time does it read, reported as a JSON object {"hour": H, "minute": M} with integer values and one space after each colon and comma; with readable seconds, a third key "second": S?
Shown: {"hour": 1, "minute": 24}
